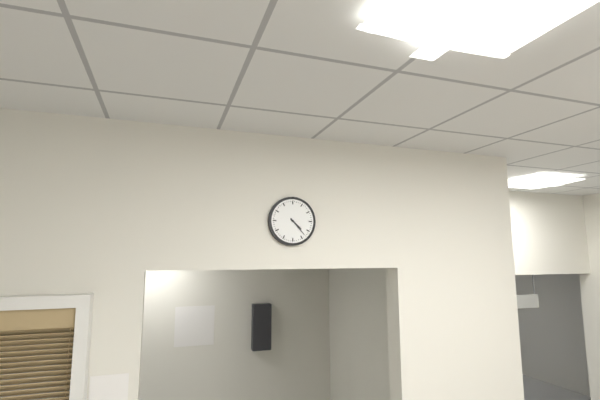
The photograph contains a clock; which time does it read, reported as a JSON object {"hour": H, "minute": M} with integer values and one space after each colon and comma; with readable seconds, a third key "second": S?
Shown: {"hour": 4, "minute": 23}
